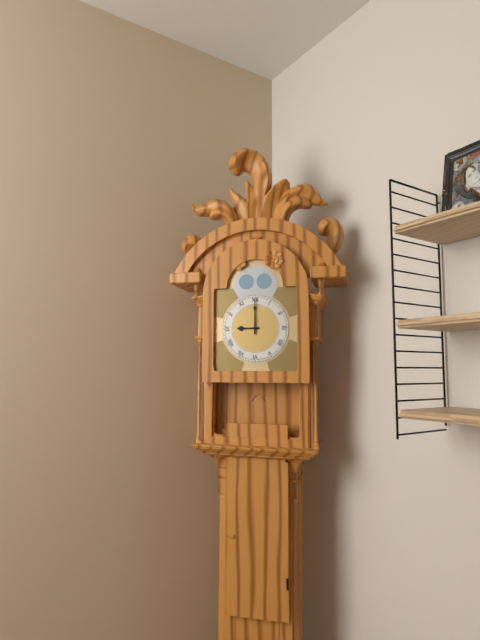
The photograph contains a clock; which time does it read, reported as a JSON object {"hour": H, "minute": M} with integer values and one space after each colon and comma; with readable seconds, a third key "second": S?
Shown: {"hour": 9, "minute": 0}
